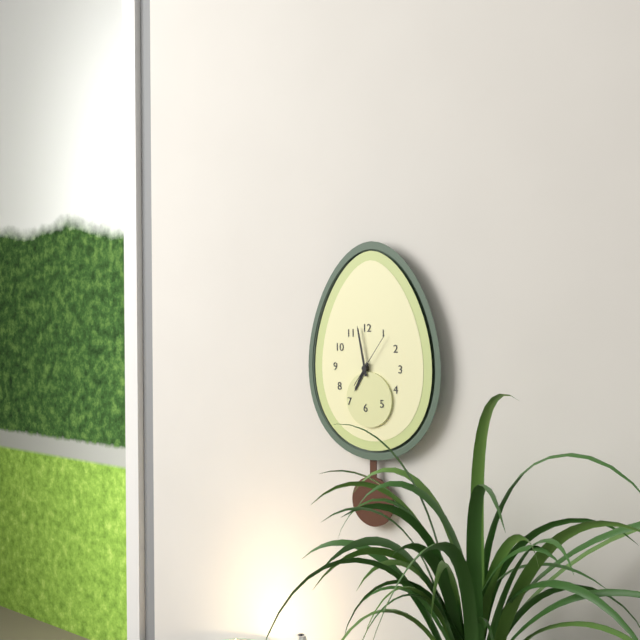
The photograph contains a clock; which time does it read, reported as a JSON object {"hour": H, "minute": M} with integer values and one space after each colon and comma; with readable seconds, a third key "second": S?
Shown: {"hour": 6, "minute": 58}
